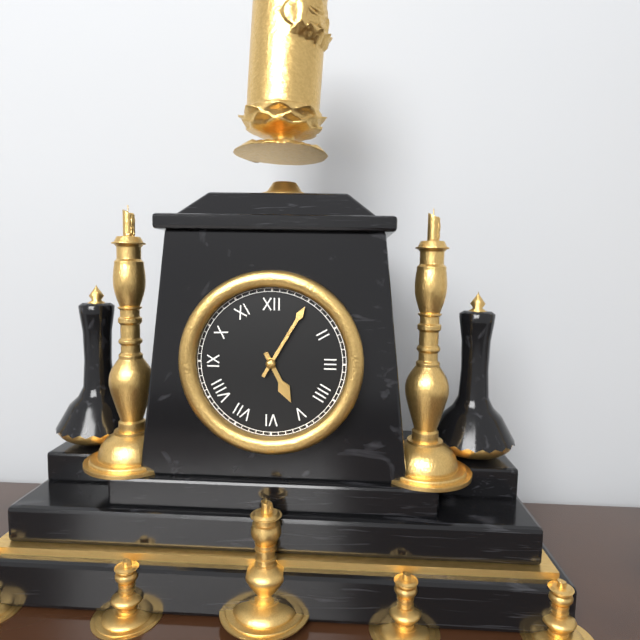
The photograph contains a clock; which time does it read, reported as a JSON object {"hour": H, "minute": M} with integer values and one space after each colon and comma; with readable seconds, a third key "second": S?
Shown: {"hour": 5, "minute": 5}
